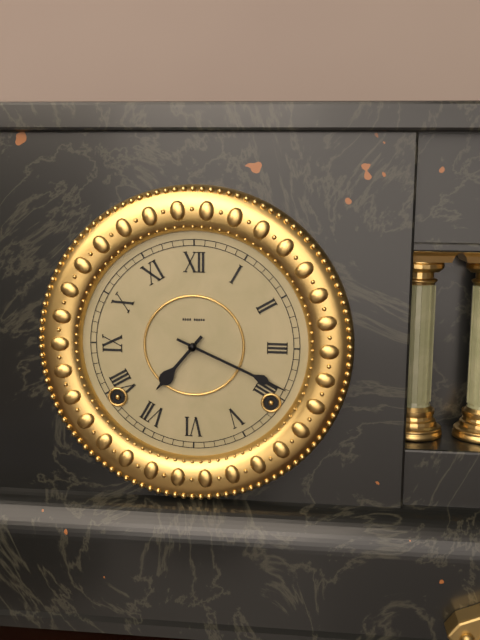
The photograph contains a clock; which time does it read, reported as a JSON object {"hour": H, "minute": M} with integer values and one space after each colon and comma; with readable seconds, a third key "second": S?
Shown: {"hour": 7, "minute": 19}
